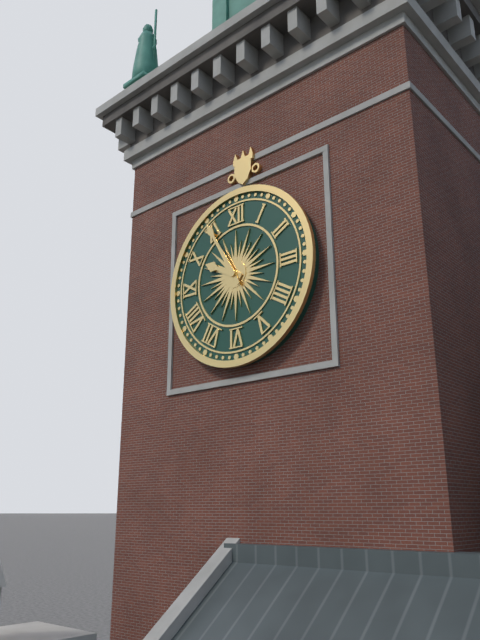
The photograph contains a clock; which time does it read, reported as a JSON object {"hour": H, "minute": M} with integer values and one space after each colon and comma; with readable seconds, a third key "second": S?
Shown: {"hour": 9, "minute": 55}
